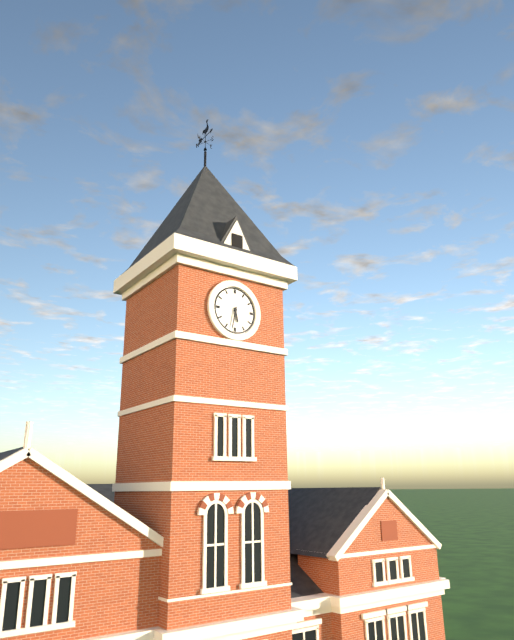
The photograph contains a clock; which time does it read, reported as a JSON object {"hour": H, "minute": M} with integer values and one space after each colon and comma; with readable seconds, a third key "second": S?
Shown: {"hour": 5, "minute": 32}
